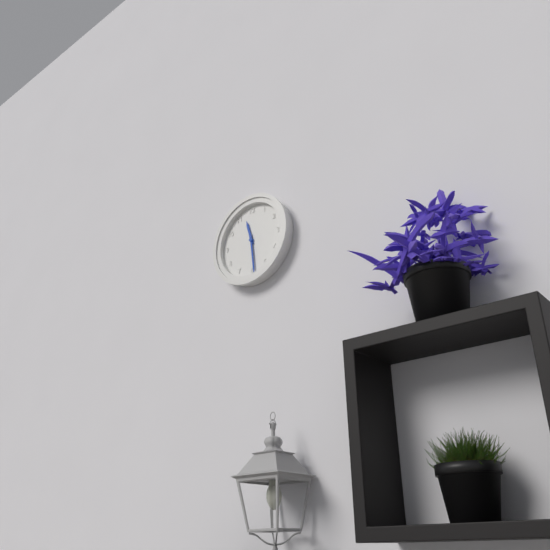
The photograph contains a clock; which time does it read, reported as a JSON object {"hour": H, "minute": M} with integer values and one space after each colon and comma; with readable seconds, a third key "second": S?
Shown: {"hour": 11, "minute": 29}
